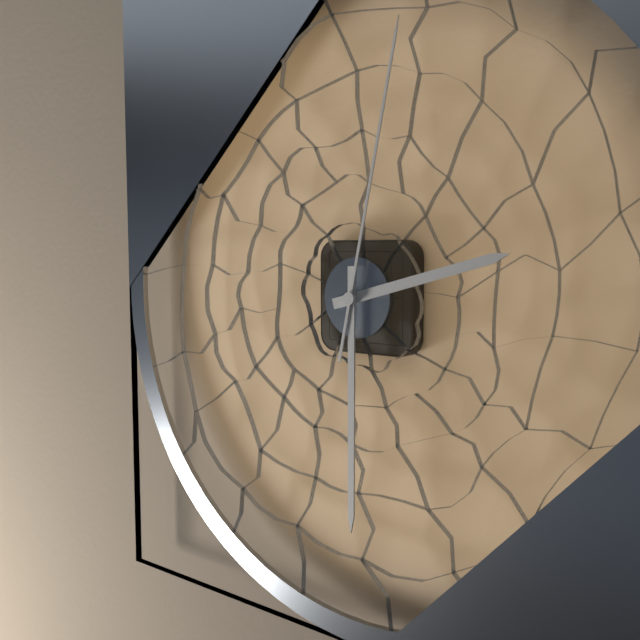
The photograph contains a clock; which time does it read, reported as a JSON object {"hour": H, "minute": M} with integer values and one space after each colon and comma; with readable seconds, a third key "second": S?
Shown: {"hour": 2, "minute": 30, "second": 2}
